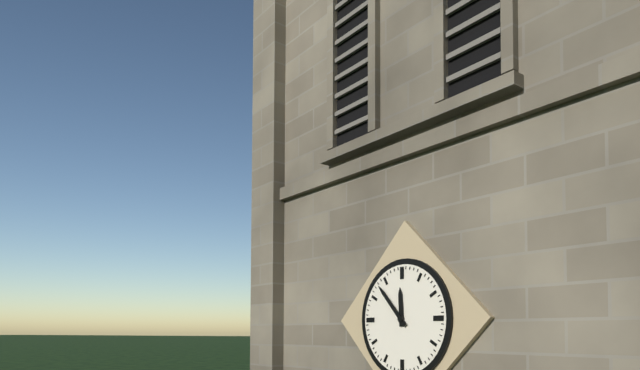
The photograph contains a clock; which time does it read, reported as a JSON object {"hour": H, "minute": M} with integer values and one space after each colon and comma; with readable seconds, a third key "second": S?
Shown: {"hour": 11, "minute": 53}
